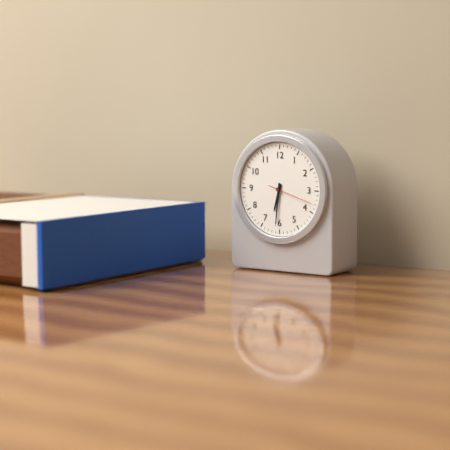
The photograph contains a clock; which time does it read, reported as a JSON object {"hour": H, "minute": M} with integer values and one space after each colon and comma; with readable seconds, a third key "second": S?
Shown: {"hour": 6, "minute": 31}
